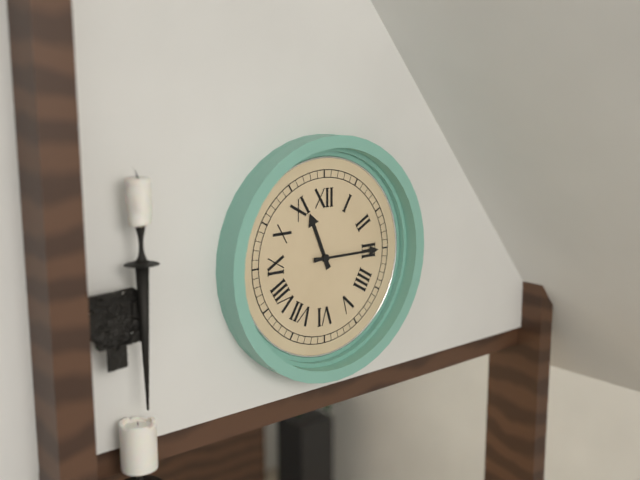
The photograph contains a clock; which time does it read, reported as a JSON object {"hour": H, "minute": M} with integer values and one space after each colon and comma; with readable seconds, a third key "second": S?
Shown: {"hour": 11, "minute": 15}
